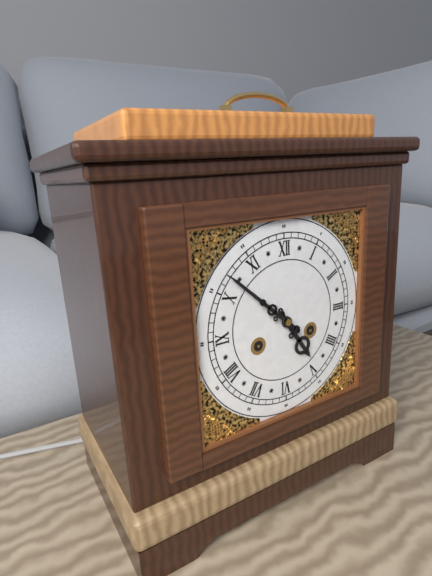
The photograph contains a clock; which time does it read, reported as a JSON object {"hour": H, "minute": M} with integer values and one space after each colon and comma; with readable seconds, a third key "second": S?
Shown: {"hour": 4, "minute": 52}
